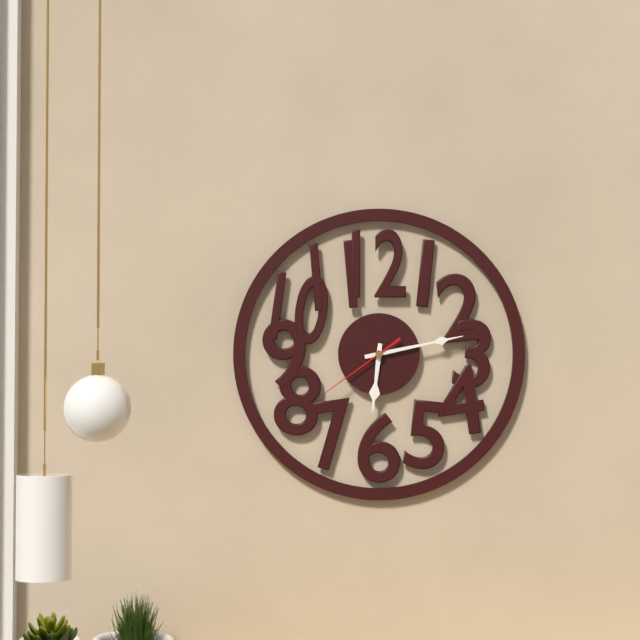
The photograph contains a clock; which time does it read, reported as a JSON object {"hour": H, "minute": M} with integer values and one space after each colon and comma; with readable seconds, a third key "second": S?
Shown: {"hour": 6, "minute": 13, "second": 39}
